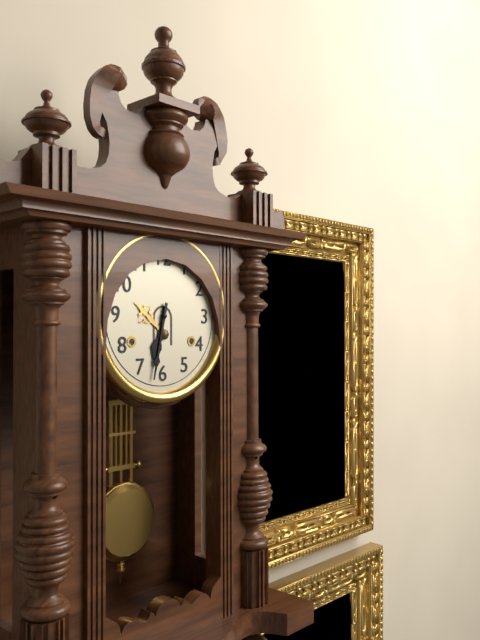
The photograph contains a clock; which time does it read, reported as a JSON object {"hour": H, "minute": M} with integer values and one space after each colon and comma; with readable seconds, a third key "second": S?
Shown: {"hour": 6, "minute": 32}
